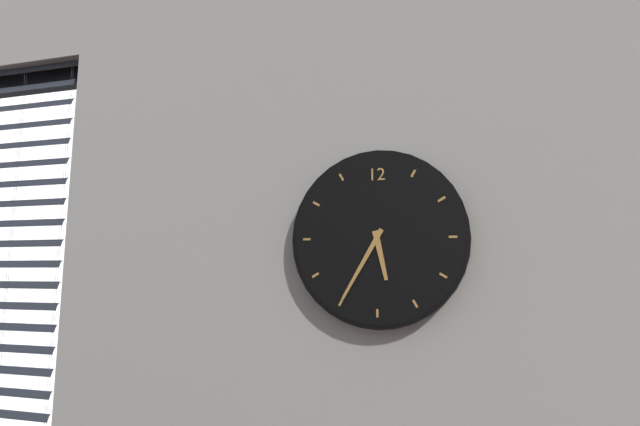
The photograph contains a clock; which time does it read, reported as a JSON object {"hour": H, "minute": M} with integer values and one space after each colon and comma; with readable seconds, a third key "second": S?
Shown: {"hour": 5, "minute": 35}
